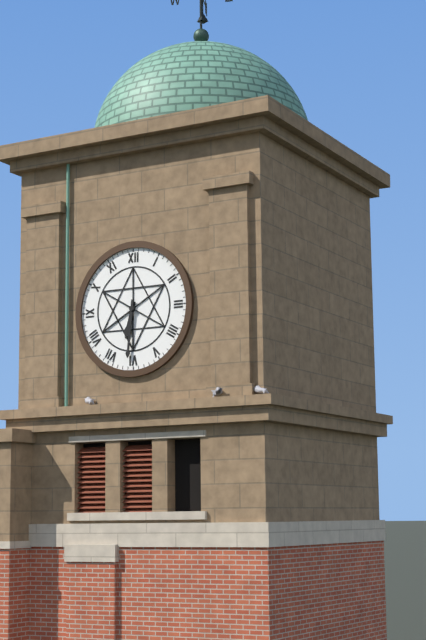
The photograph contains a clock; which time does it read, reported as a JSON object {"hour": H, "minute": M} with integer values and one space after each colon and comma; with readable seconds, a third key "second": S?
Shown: {"hour": 6, "minute": 31}
